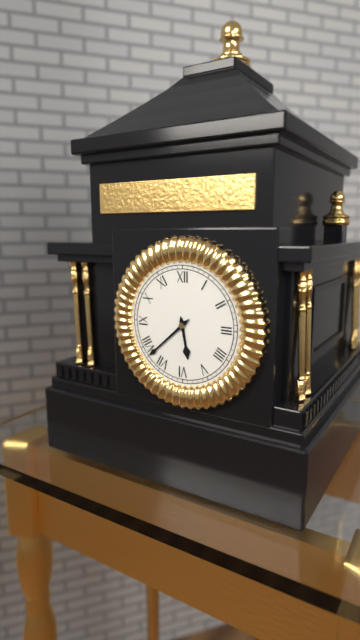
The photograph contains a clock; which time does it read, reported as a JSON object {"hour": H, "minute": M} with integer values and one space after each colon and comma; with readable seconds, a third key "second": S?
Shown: {"hour": 5, "minute": 38}
